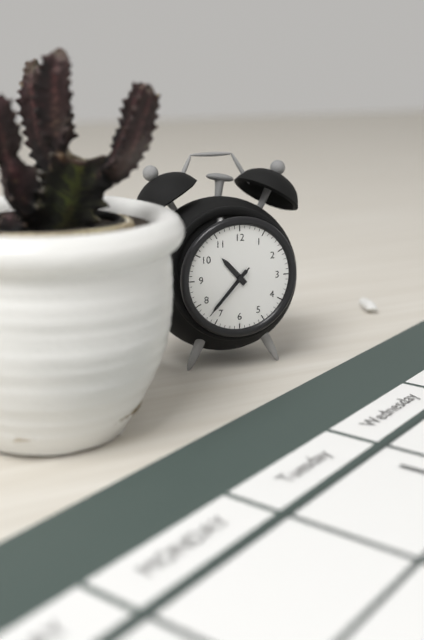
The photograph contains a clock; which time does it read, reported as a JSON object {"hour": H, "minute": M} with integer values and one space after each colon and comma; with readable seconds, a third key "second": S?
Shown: {"hour": 10, "minute": 37, "second": 37}
